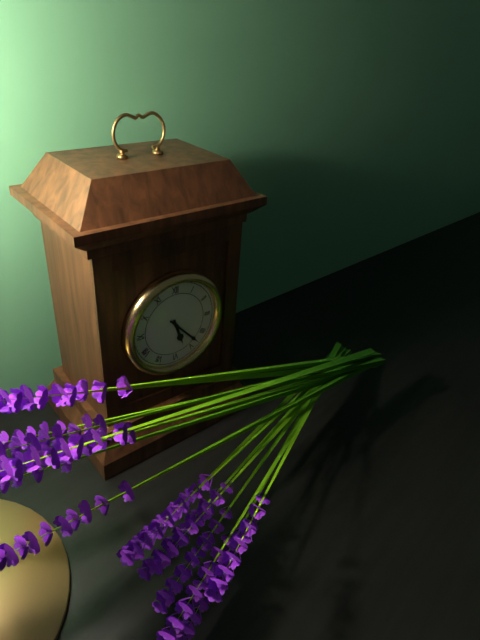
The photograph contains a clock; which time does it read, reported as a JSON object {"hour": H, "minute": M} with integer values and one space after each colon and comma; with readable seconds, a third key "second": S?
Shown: {"hour": 5, "minute": 23}
